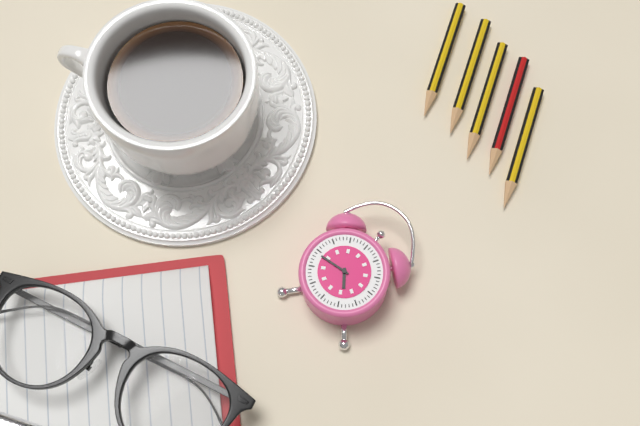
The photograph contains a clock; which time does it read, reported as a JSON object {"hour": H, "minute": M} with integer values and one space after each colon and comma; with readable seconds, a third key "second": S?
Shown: {"hour": 4, "minute": 44}
